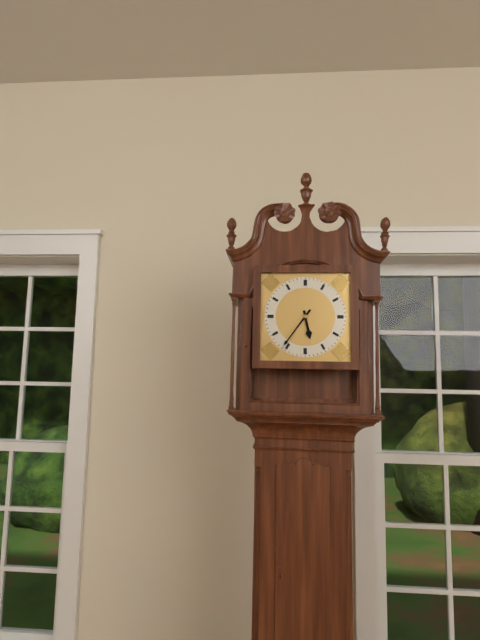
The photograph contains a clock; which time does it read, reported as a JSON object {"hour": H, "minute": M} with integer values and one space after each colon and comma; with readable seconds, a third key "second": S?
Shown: {"hour": 5, "minute": 36}
